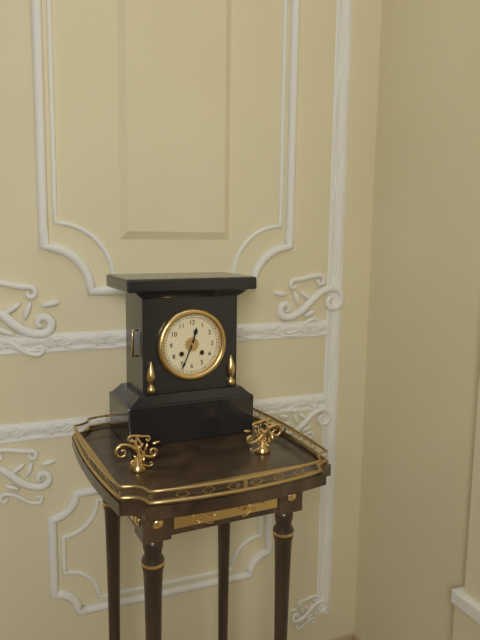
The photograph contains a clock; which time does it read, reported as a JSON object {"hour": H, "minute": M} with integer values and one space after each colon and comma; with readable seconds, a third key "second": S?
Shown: {"hour": 12, "minute": 34}
